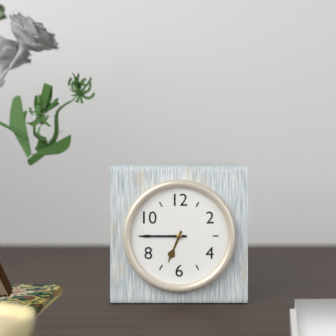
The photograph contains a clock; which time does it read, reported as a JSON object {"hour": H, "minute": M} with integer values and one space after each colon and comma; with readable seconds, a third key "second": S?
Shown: {"hour": 6, "minute": 45}
